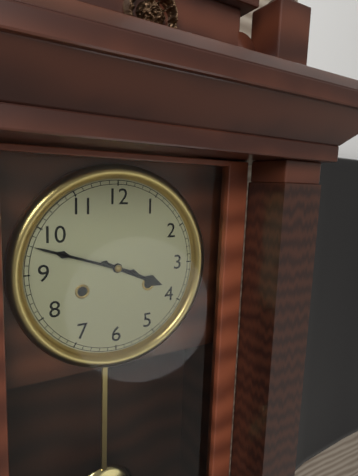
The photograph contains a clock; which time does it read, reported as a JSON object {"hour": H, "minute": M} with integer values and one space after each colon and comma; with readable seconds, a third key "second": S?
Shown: {"hour": 3, "minute": 48}
